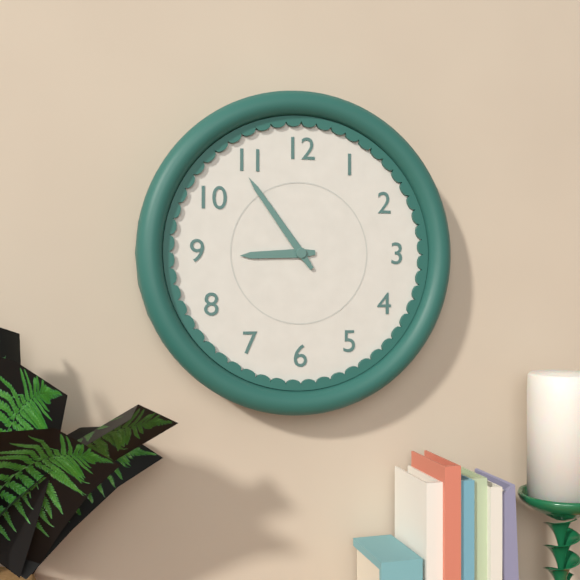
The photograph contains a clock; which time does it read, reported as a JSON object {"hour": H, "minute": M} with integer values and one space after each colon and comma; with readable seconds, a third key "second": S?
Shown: {"hour": 8, "minute": 54}
